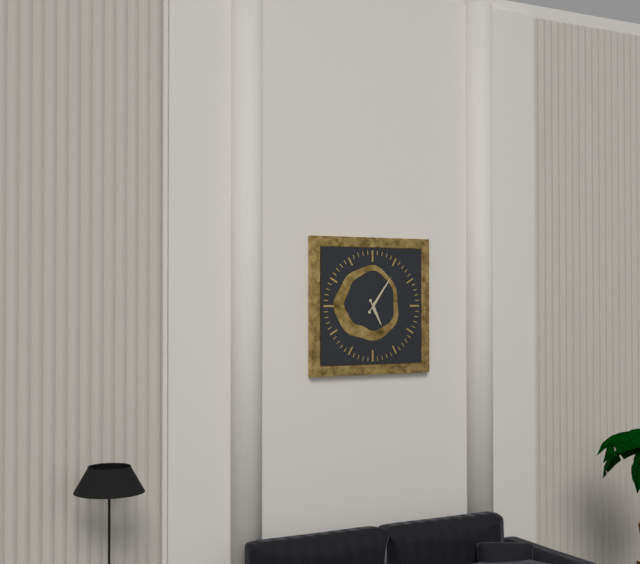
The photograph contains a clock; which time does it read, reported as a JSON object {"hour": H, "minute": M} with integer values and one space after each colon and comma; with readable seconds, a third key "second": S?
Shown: {"hour": 5, "minute": 6}
